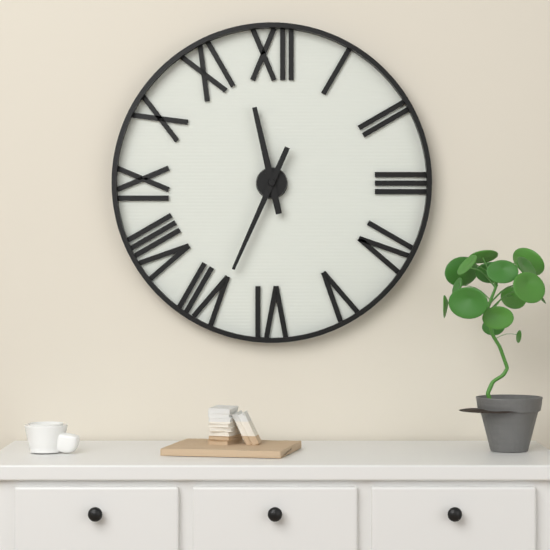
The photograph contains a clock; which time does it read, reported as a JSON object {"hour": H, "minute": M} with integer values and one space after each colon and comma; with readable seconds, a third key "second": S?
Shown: {"hour": 11, "minute": 34}
